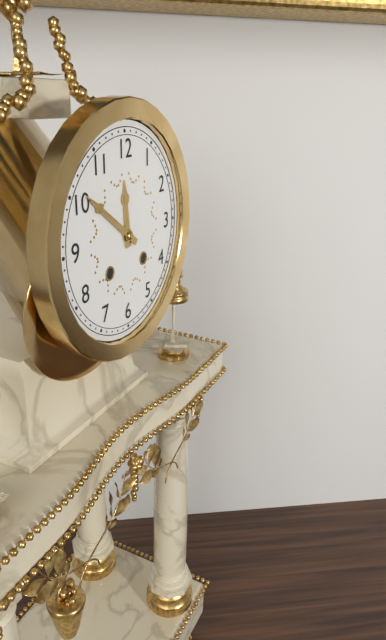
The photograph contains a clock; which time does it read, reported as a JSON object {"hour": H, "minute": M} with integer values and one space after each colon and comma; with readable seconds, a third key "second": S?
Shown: {"hour": 11, "minute": 51}
